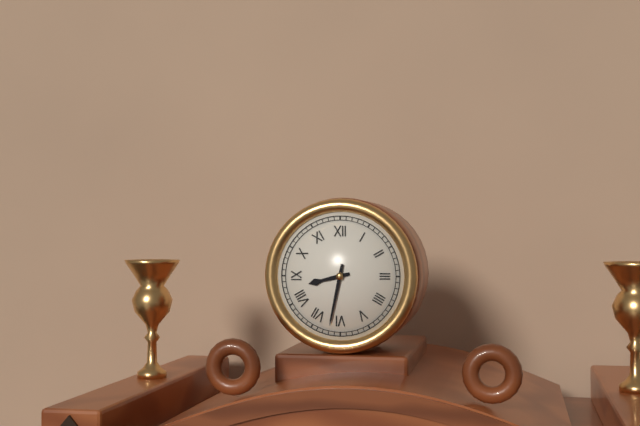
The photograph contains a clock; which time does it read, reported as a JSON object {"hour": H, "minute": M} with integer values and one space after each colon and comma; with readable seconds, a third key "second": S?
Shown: {"hour": 8, "minute": 32}
